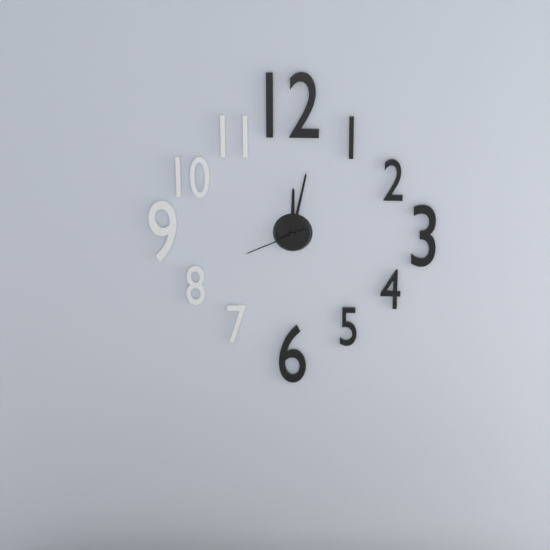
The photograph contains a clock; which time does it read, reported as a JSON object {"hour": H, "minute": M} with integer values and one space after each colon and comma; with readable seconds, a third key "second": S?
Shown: {"hour": 12, "minute": 2, "second": 41}
